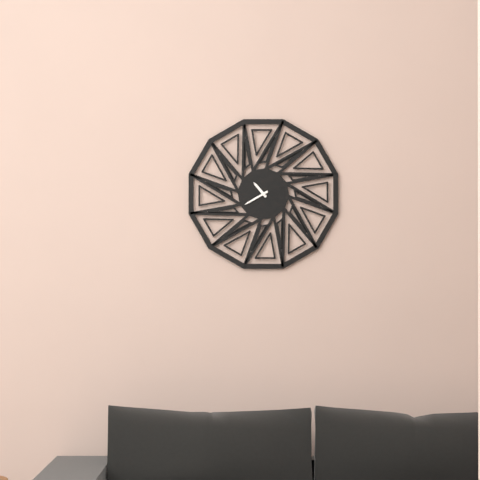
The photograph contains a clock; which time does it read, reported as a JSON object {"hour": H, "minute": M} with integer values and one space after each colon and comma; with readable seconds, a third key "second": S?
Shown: {"hour": 10, "minute": 40}
